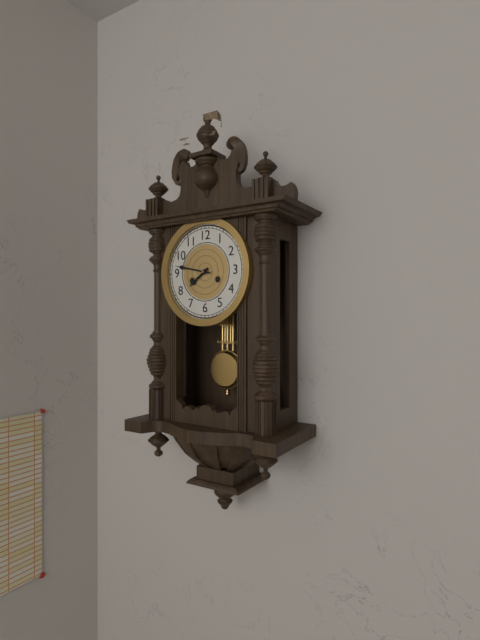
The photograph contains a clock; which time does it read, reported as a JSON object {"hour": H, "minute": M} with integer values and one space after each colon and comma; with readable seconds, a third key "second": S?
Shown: {"hour": 7, "minute": 47}
